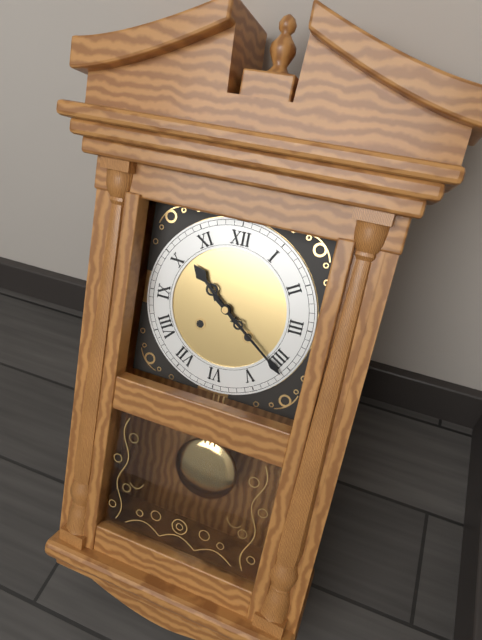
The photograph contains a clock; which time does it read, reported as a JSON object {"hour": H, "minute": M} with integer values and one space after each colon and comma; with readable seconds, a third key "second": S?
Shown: {"hour": 10, "minute": 21}
